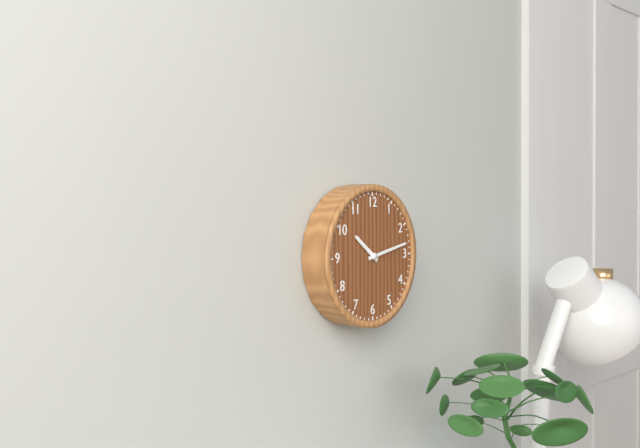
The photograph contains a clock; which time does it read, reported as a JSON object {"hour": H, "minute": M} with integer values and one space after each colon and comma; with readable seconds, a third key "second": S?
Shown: {"hour": 10, "minute": 13}
